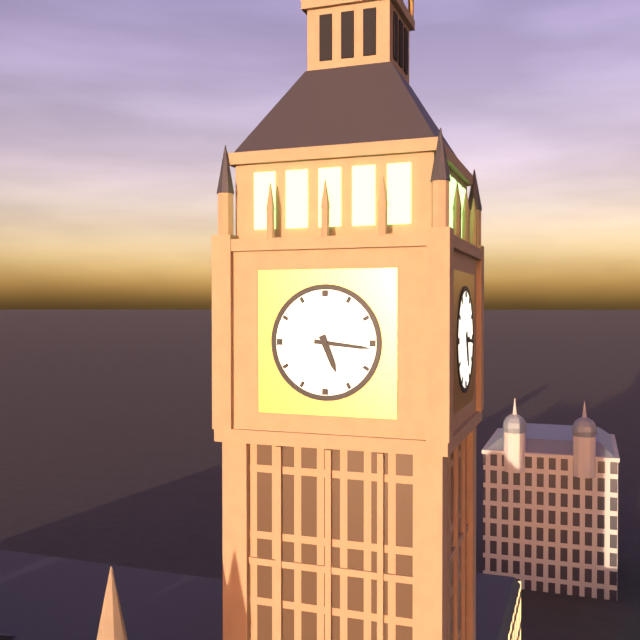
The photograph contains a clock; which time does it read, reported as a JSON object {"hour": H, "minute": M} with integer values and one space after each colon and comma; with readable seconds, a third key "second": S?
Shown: {"hour": 5, "minute": 16}
